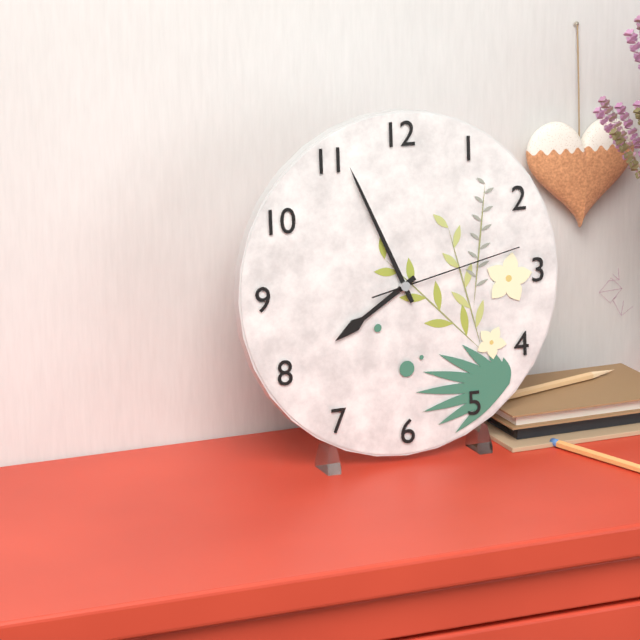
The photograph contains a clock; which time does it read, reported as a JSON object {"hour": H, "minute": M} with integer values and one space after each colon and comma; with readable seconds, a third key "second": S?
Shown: {"hour": 7, "minute": 56, "second": 13}
